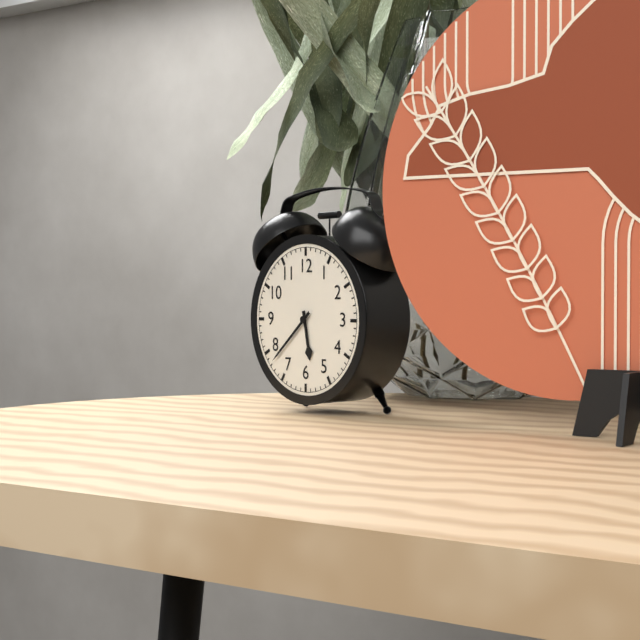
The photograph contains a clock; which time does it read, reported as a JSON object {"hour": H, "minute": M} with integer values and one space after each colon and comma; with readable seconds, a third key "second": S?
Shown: {"hour": 5, "minute": 38}
